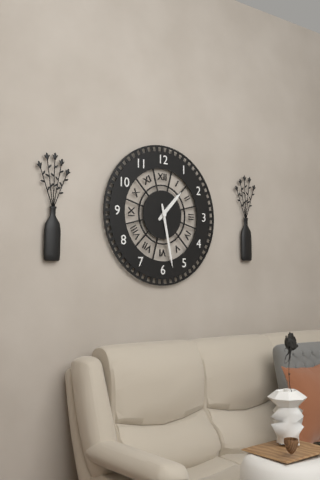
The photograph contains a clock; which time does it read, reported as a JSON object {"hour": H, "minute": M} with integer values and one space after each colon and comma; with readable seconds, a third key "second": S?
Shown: {"hour": 1, "minute": 28}
